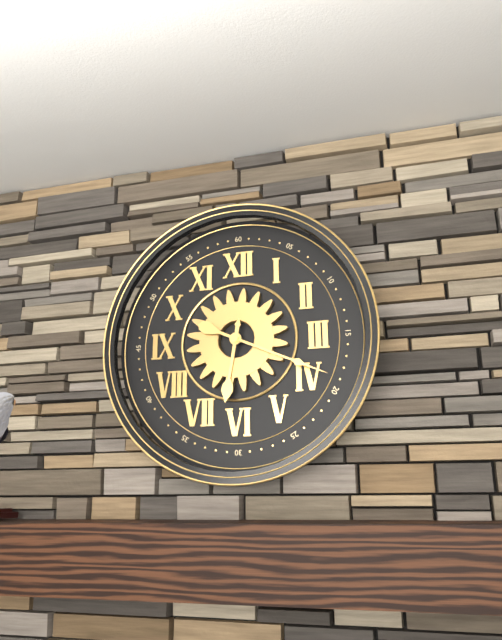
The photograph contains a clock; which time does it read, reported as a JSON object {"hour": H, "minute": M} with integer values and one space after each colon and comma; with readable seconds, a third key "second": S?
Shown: {"hour": 6, "minute": 19}
